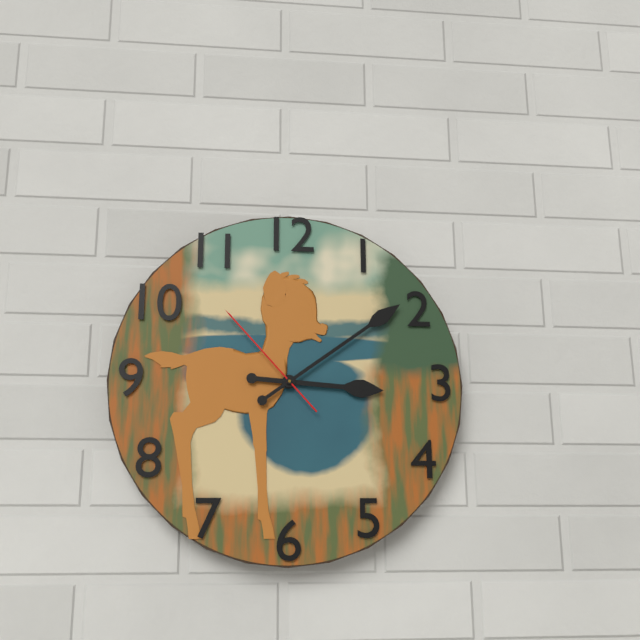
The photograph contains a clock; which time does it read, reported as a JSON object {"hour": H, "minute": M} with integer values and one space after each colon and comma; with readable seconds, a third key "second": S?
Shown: {"hour": 3, "minute": 9, "second": 53}
